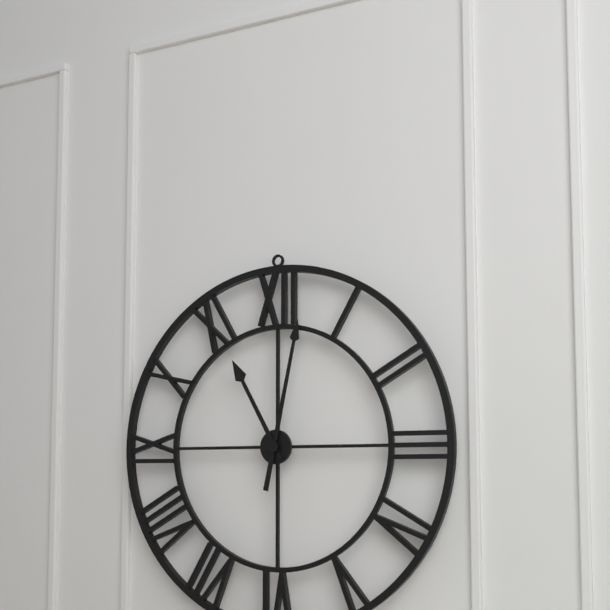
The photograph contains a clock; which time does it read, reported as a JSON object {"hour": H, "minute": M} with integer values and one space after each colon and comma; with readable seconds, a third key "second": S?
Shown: {"hour": 11, "minute": 2}
